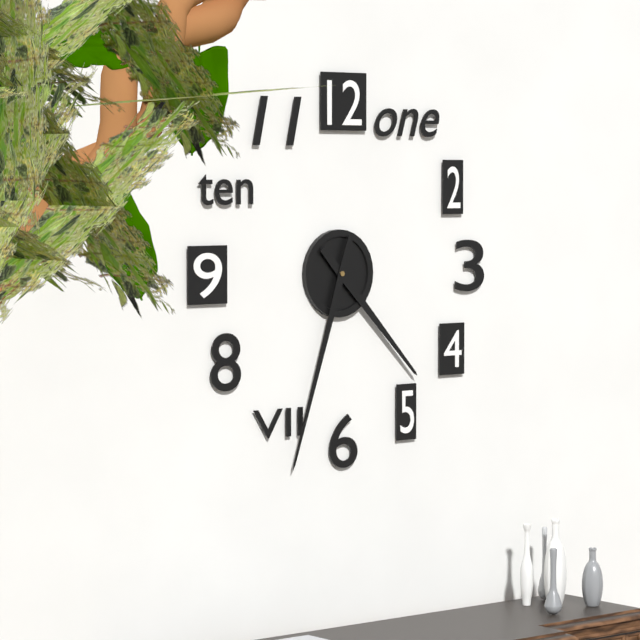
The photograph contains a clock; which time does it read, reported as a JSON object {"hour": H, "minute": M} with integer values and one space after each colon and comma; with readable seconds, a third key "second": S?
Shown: {"hour": 4, "minute": 33}
